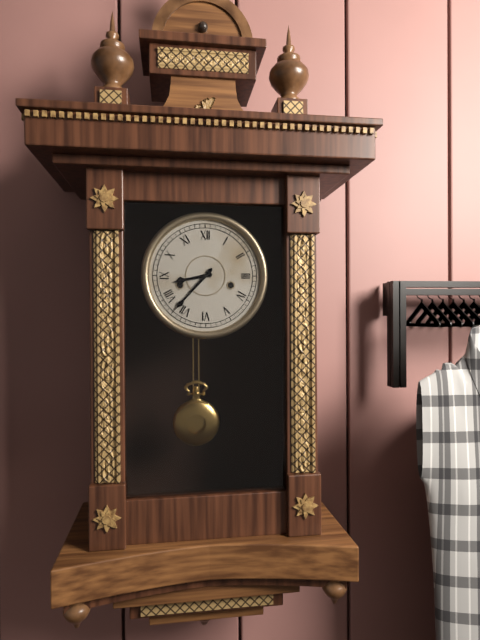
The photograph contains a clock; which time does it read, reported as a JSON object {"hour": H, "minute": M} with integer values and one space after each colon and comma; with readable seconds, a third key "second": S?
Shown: {"hour": 8, "minute": 37}
